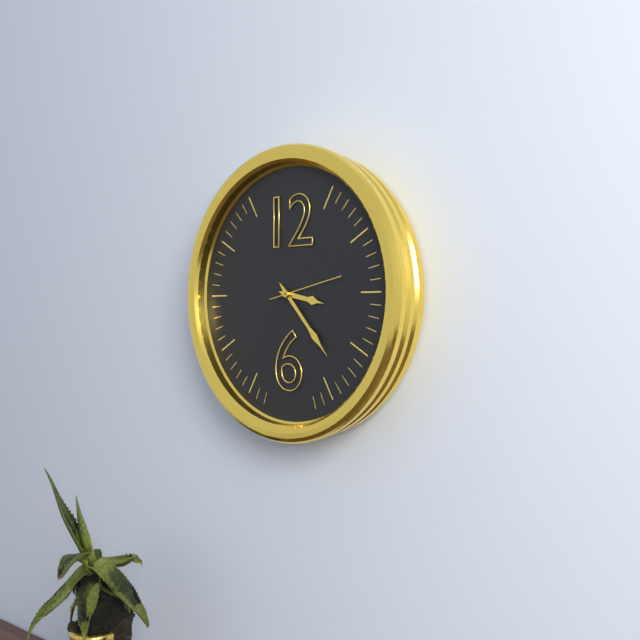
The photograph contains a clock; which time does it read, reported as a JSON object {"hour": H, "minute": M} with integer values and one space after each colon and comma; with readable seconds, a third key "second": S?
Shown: {"hour": 3, "minute": 23}
